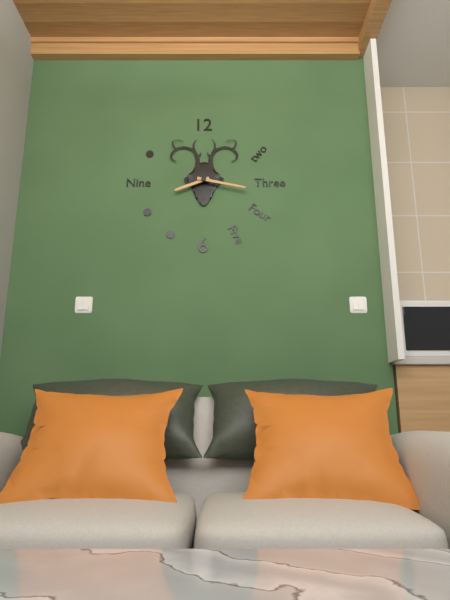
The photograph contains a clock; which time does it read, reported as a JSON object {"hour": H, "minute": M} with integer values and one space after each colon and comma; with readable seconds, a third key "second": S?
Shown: {"hour": 8, "minute": 17}
